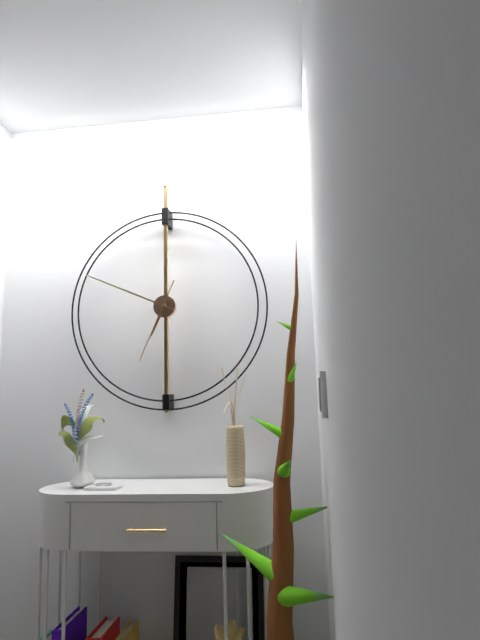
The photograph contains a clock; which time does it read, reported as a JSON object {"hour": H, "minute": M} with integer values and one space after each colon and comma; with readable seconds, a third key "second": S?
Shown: {"hour": 6, "minute": 49, "second": 34}
